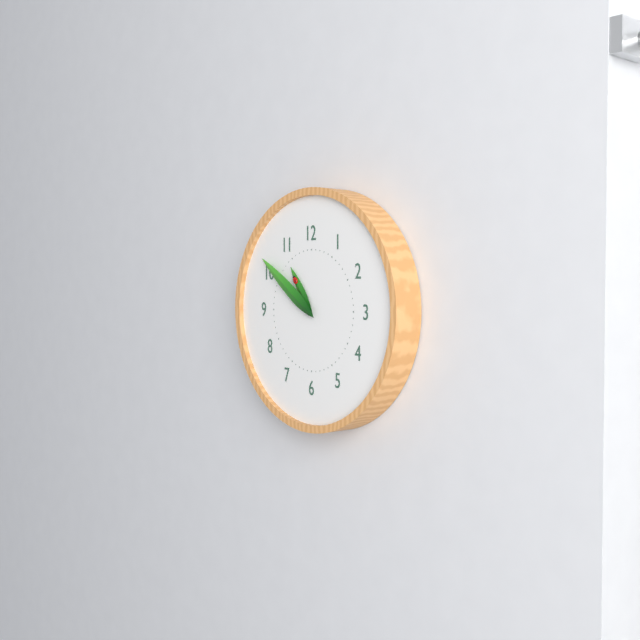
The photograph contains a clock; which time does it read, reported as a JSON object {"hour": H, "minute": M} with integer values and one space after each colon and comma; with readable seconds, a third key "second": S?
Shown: {"hour": 10, "minute": 51}
